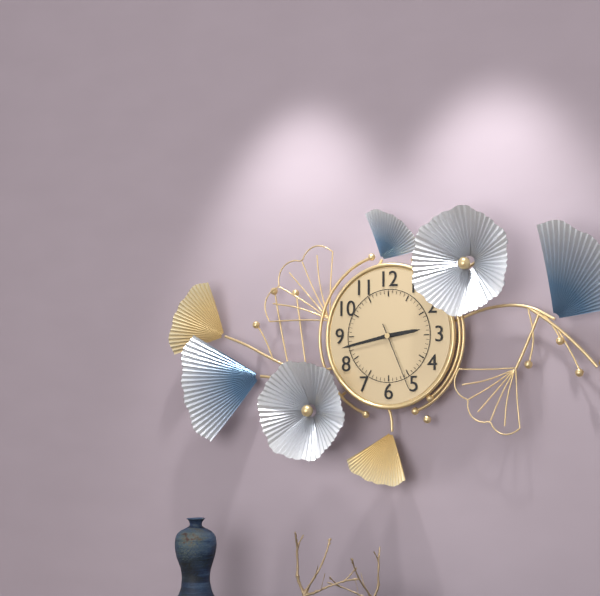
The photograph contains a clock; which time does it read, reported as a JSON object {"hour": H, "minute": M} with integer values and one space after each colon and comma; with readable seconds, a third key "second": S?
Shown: {"hour": 2, "minute": 43, "second": 26}
